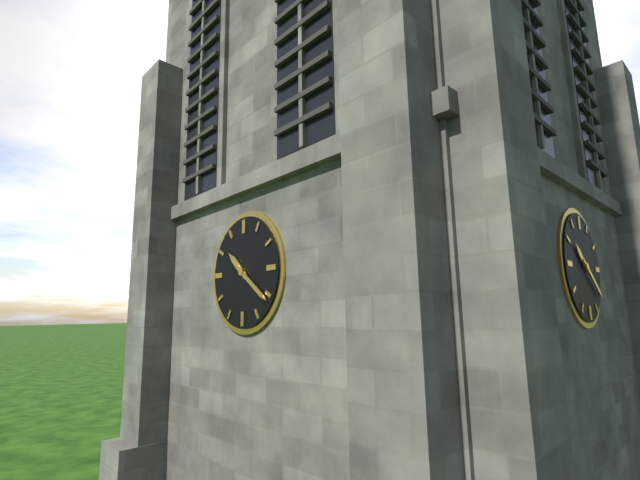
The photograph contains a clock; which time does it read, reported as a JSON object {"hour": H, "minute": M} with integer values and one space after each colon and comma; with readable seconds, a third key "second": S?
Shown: {"hour": 10, "minute": 21}
